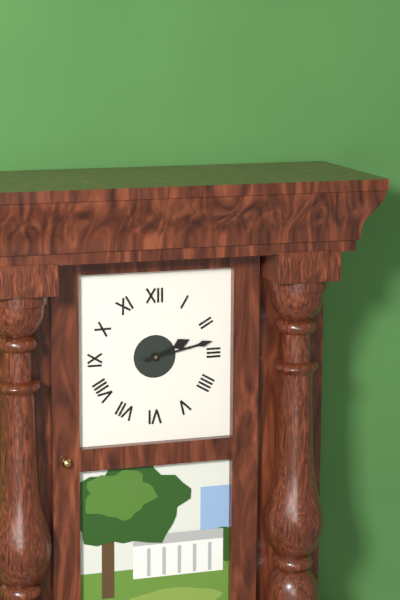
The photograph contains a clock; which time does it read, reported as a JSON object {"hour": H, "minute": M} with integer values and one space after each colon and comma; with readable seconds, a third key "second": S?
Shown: {"hour": 2, "minute": 13}
